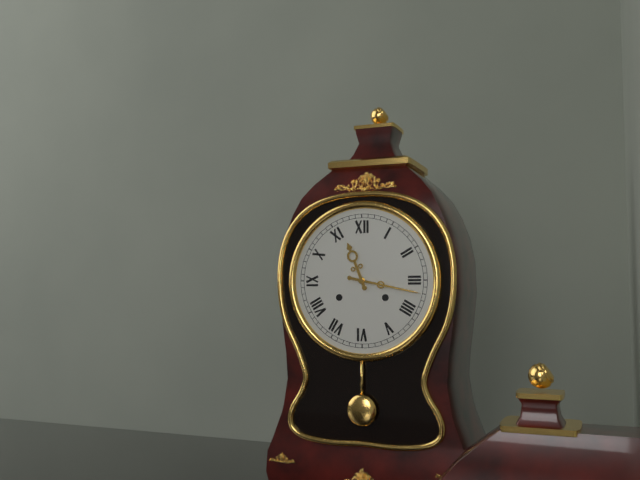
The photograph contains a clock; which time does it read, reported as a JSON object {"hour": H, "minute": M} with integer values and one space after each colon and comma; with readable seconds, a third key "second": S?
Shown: {"hour": 11, "minute": 17}
